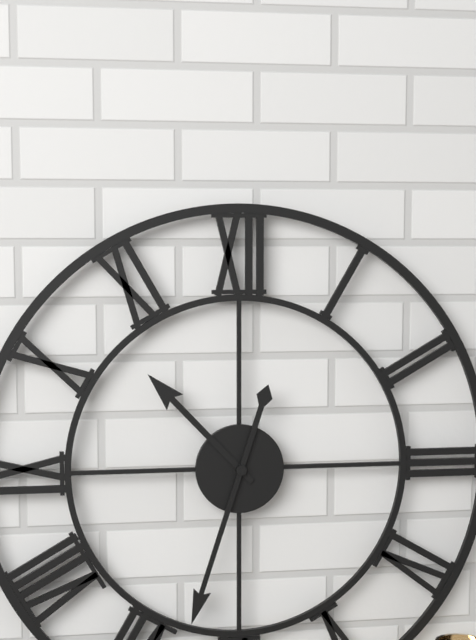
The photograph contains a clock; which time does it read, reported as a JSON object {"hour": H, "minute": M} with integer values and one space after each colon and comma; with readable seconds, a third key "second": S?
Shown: {"hour": 10, "minute": 33}
